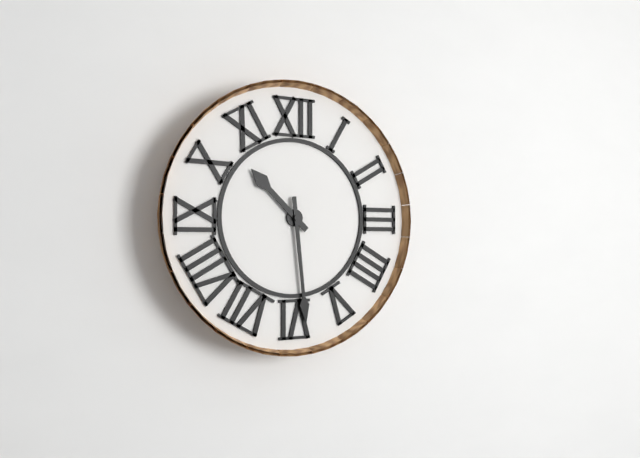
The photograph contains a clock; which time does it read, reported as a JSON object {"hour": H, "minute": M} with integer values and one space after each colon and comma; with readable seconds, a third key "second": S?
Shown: {"hour": 10, "minute": 29}
